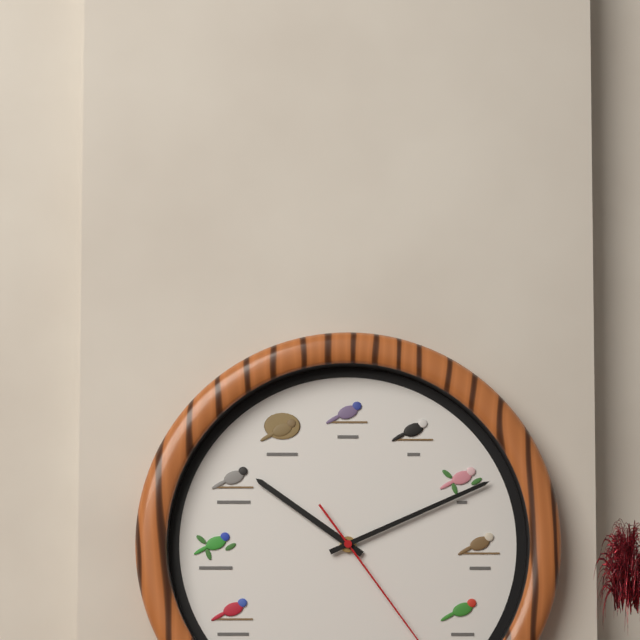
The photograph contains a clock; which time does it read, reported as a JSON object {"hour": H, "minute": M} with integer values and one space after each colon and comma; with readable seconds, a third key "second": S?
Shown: {"hour": 10, "minute": 11}
